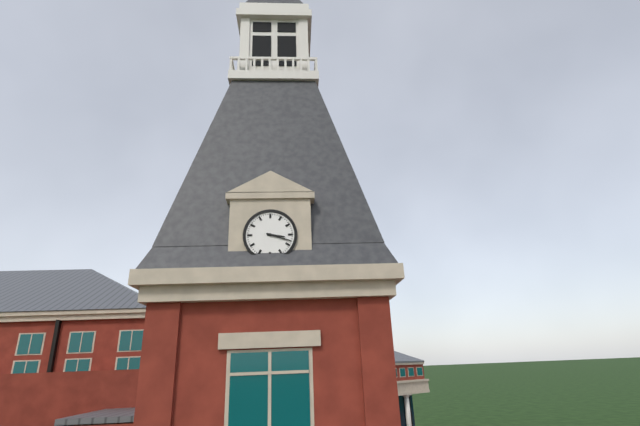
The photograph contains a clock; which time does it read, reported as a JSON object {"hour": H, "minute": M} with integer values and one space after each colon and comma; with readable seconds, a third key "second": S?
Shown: {"hour": 3, "minute": 18}
